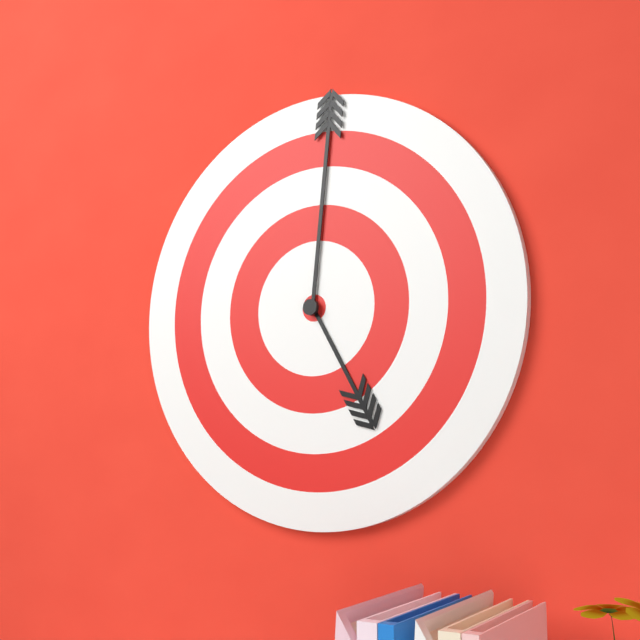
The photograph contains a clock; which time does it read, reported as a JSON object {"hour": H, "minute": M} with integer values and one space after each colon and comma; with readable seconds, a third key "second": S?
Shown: {"hour": 5, "minute": 1}
